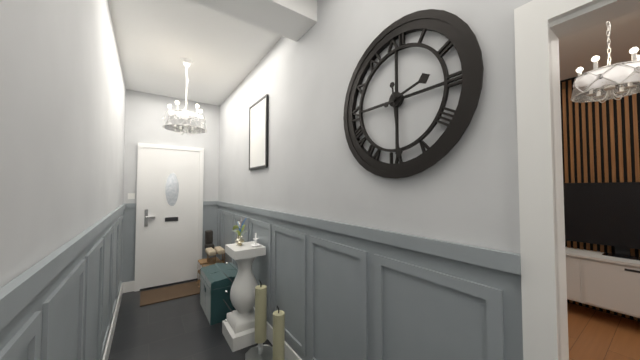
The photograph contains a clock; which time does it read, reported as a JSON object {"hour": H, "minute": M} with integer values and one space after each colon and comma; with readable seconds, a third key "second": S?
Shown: {"hour": 2, "minute": 29}
